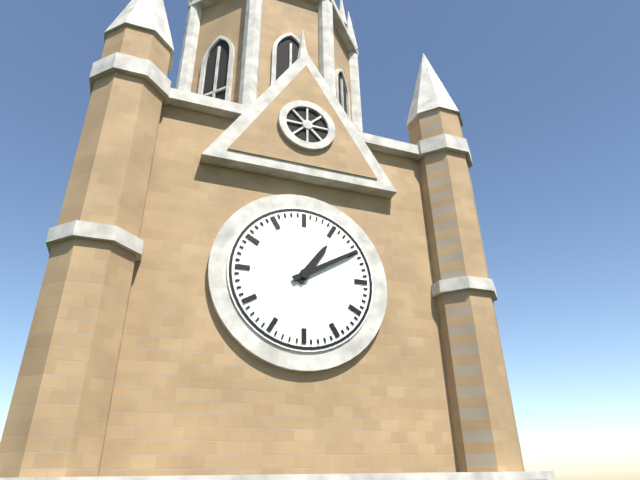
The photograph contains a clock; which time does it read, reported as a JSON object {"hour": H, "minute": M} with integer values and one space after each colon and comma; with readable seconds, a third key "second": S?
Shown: {"hour": 1, "minute": 10}
